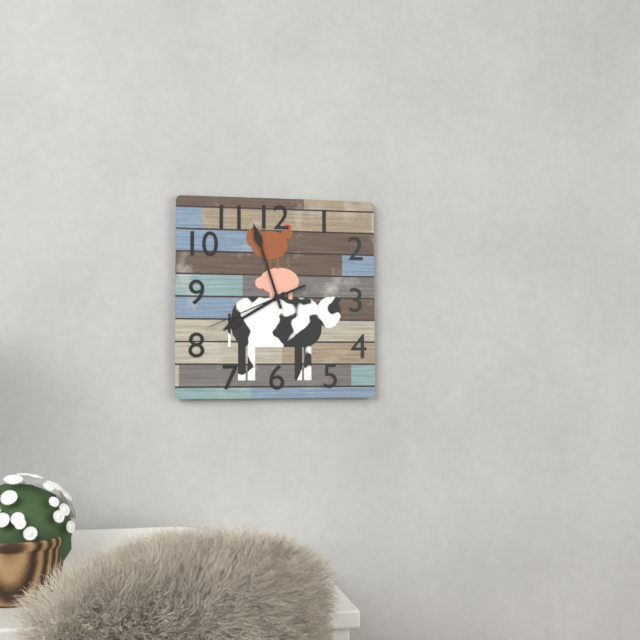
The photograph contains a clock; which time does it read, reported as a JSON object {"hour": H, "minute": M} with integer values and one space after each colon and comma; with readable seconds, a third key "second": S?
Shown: {"hour": 7, "minute": 57, "second": 41}
